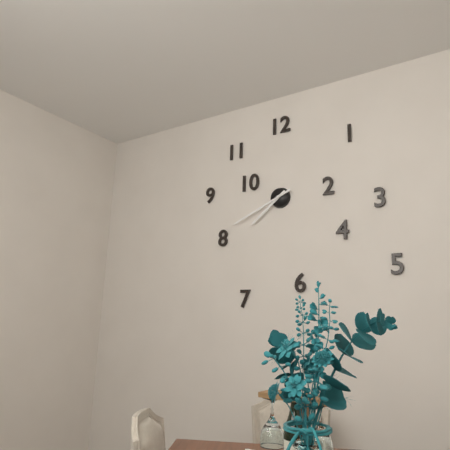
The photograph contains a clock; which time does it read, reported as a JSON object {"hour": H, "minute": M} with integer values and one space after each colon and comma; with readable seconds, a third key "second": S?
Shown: {"hour": 7, "minute": 41}
